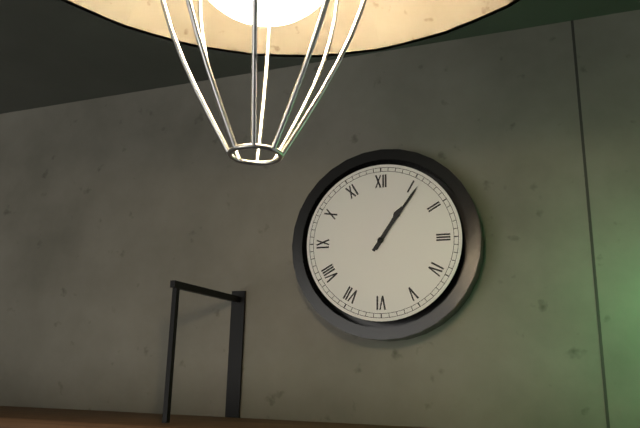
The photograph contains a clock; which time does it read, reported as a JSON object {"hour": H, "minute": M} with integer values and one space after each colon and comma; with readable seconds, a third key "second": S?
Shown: {"hour": 1, "minute": 6}
